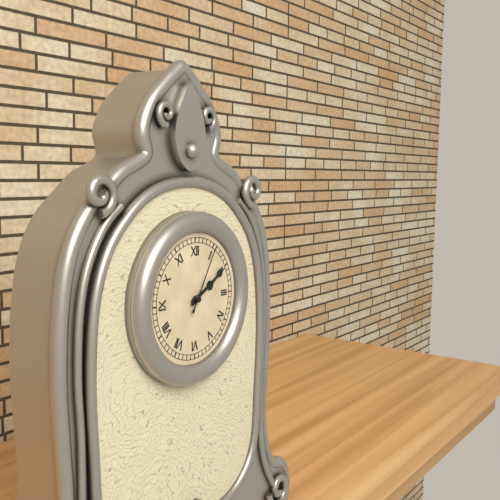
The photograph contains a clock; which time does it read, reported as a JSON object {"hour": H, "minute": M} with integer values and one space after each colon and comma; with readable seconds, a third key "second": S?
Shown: {"hour": 2, "minute": 10, "second": 5}
